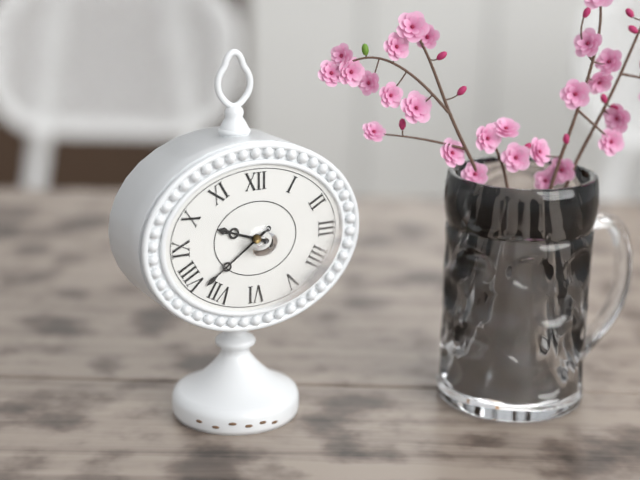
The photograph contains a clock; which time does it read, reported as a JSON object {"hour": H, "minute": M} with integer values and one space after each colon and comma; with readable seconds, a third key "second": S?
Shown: {"hour": 9, "minute": 39}
